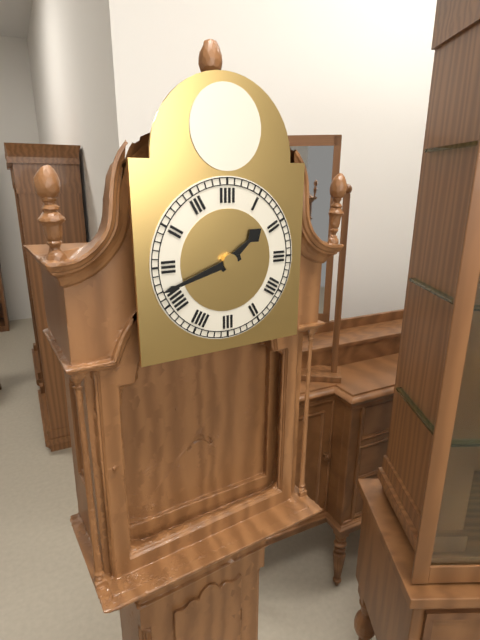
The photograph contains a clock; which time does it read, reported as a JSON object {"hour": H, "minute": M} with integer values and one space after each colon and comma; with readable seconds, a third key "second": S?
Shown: {"hour": 1, "minute": 42}
